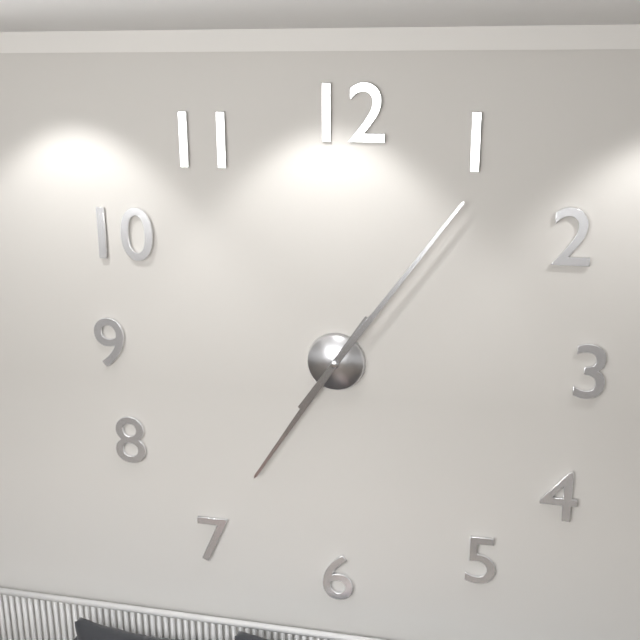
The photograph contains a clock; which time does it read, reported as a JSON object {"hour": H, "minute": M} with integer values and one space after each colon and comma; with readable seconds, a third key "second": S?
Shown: {"hour": 7, "minute": 6}
